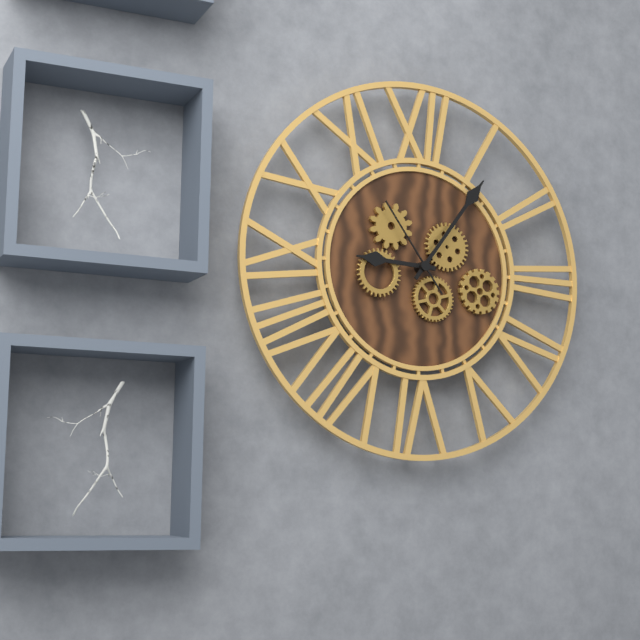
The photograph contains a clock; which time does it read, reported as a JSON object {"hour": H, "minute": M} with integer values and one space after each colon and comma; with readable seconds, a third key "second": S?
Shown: {"hour": 9, "minute": 6, "second": 54}
